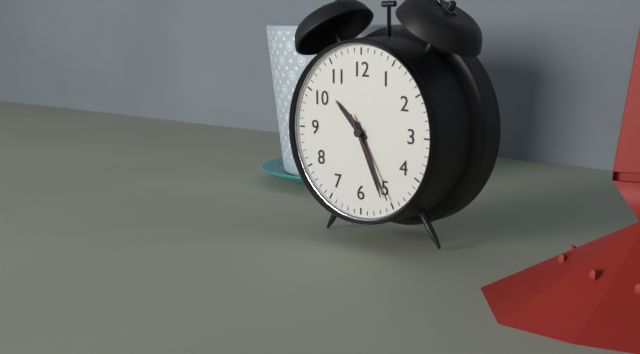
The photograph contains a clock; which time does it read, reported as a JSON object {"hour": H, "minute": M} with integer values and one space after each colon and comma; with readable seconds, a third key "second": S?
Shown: {"hour": 10, "minute": 26, "second": 25}
